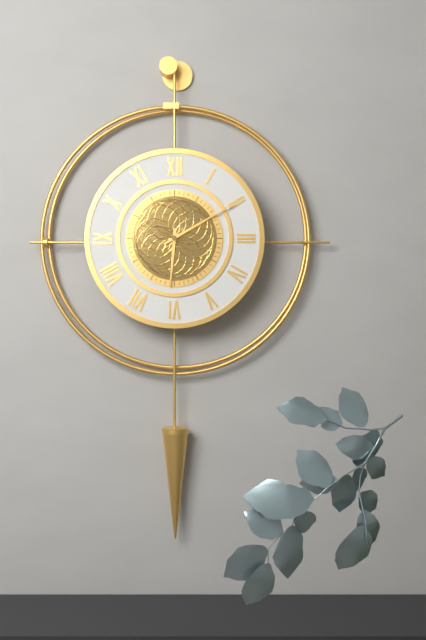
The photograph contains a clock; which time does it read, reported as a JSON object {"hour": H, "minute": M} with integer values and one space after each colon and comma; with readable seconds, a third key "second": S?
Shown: {"hour": 6, "minute": 10}
